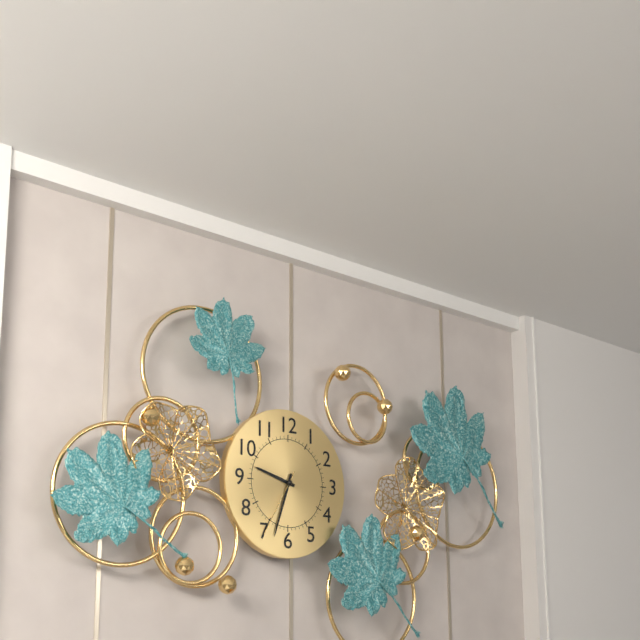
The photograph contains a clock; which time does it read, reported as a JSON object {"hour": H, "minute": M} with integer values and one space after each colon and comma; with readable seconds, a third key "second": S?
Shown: {"hour": 9, "minute": 33, "second": 35}
